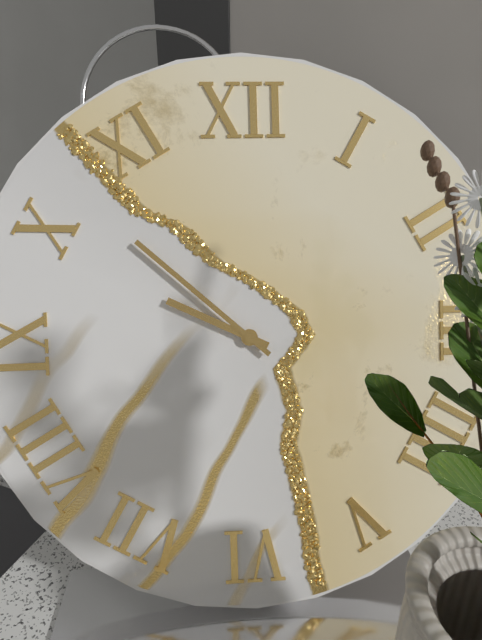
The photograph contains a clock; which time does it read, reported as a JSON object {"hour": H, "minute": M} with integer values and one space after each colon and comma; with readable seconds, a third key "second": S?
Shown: {"hour": 9, "minute": 52}
